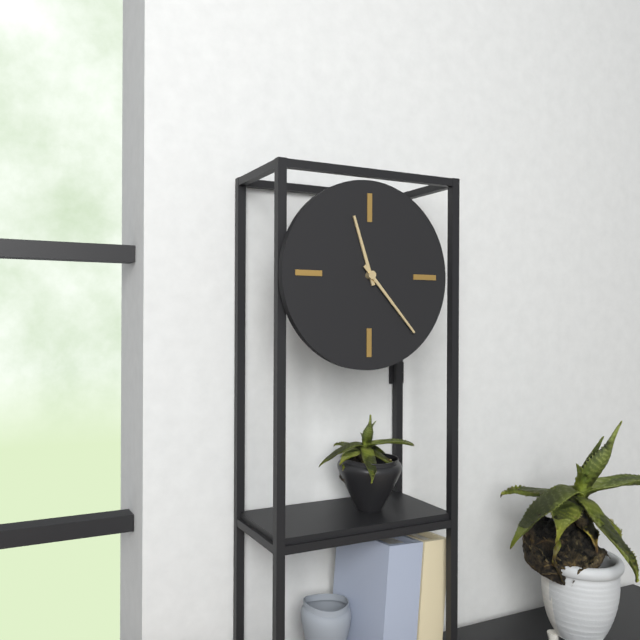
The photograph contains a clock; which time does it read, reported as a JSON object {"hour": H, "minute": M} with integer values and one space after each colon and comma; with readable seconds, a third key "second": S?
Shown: {"hour": 11, "minute": 23}
